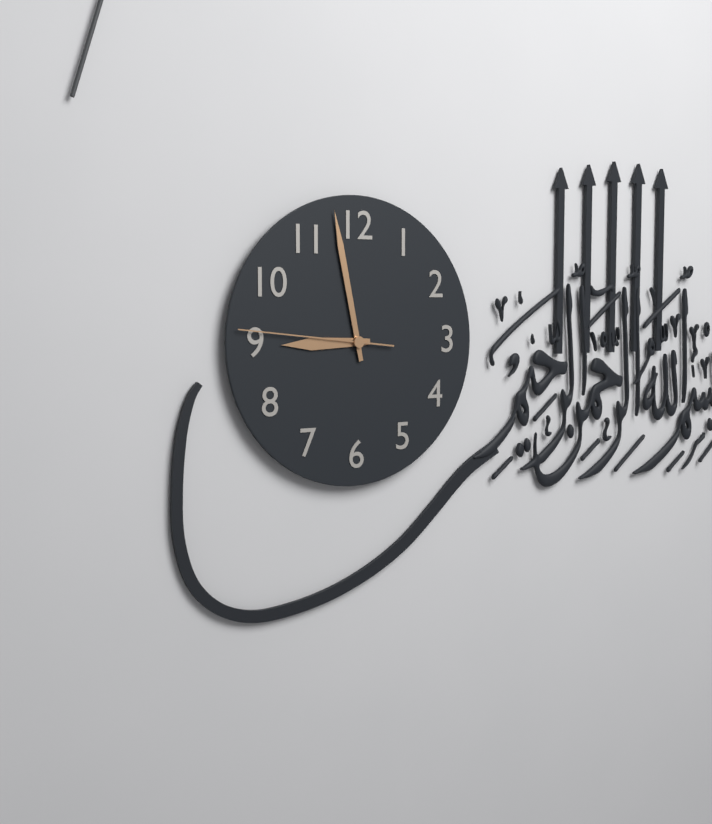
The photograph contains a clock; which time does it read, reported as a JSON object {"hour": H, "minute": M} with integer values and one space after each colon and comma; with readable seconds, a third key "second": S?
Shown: {"hour": 8, "minute": 58, "second": 46}
